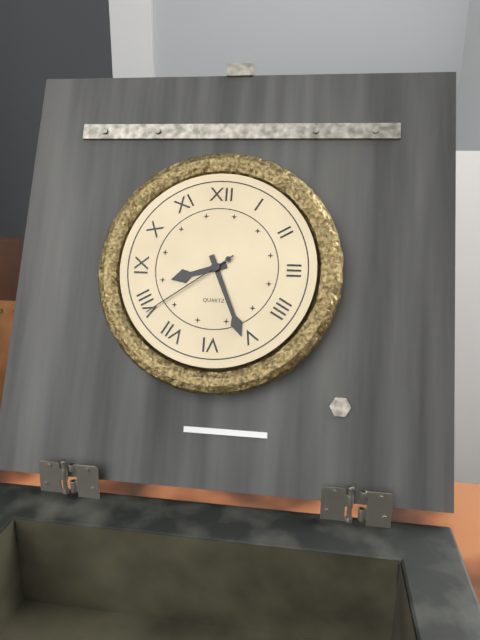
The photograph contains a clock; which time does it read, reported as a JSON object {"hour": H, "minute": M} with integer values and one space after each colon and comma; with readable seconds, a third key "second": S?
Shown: {"hour": 8, "minute": 26, "second": 39}
